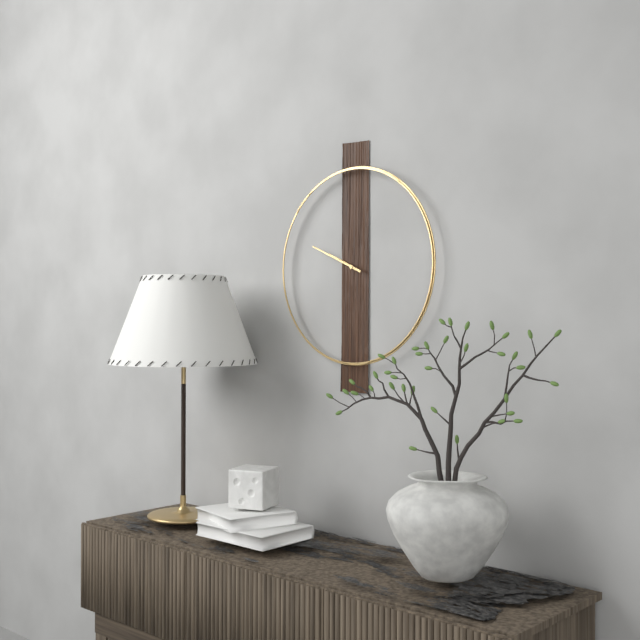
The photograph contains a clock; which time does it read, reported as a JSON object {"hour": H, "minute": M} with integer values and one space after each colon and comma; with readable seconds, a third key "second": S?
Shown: {"hour": 9, "minute": 49}
